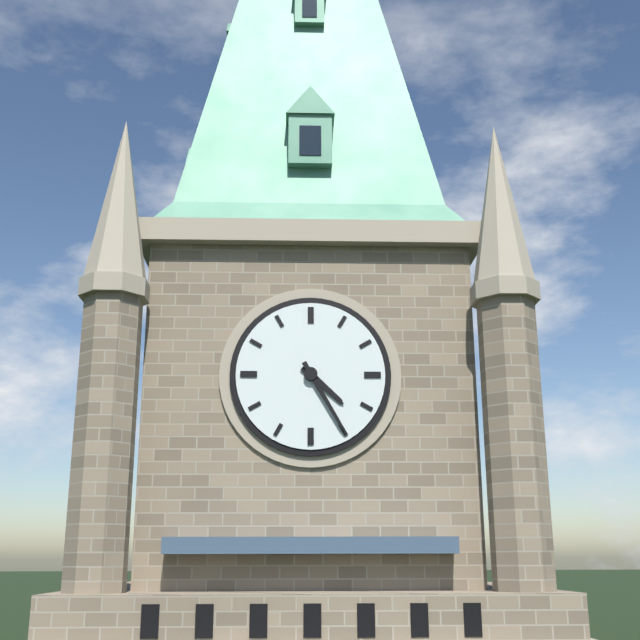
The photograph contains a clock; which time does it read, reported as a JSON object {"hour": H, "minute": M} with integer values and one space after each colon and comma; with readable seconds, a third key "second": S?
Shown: {"hour": 4, "minute": 25}
